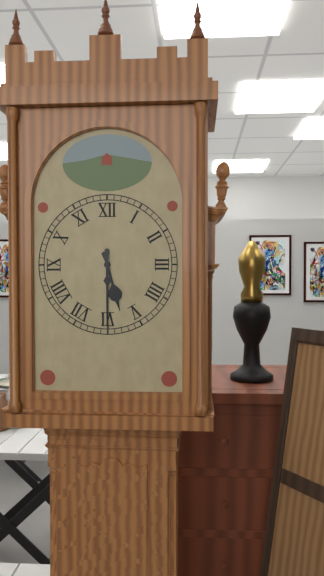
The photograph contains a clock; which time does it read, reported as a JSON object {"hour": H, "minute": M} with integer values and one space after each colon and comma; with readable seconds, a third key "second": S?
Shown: {"hour": 5, "minute": 30}
